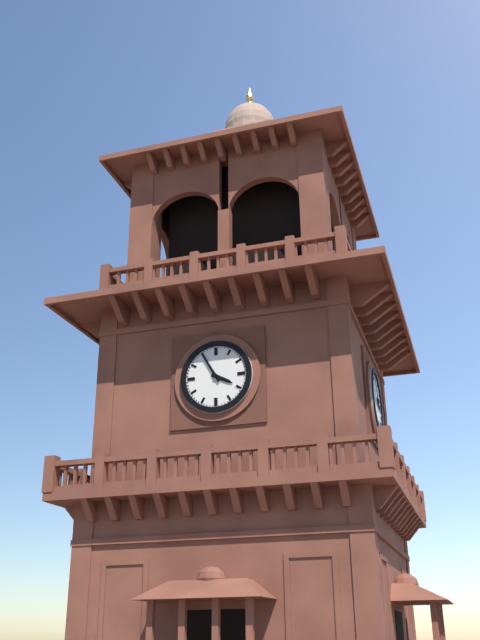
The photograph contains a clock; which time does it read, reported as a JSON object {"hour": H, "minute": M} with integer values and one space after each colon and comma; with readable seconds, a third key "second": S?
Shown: {"hour": 3, "minute": 55}
